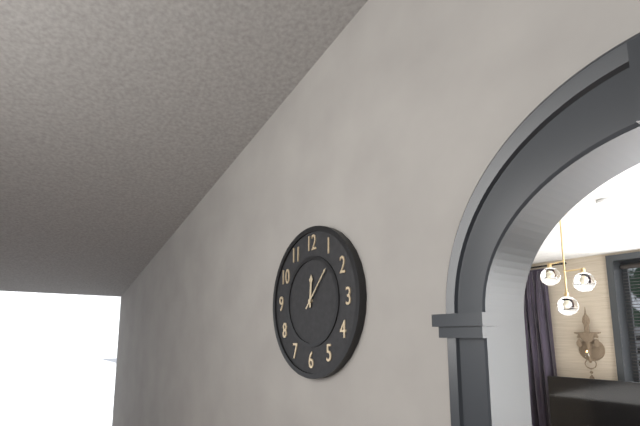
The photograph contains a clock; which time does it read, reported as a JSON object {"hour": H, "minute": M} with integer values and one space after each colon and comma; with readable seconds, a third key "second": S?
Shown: {"hour": 12, "minute": 7}
